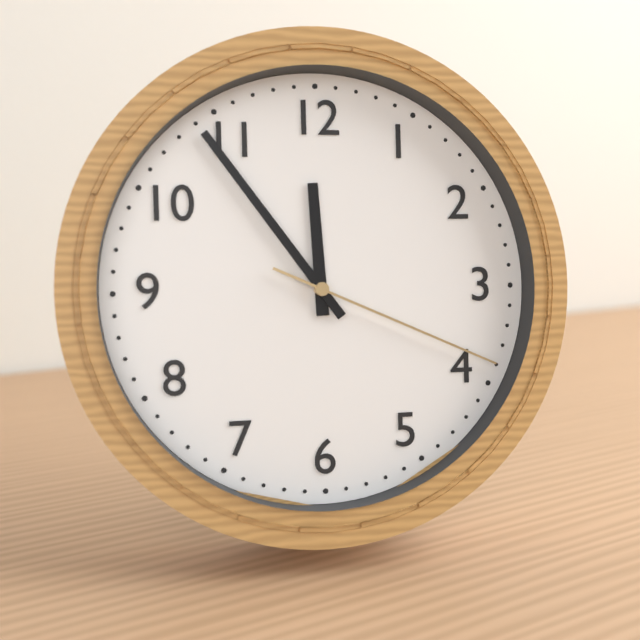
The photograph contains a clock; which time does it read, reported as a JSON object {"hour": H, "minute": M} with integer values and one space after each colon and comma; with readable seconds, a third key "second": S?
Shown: {"hour": 11, "minute": 54, "second": 19}
